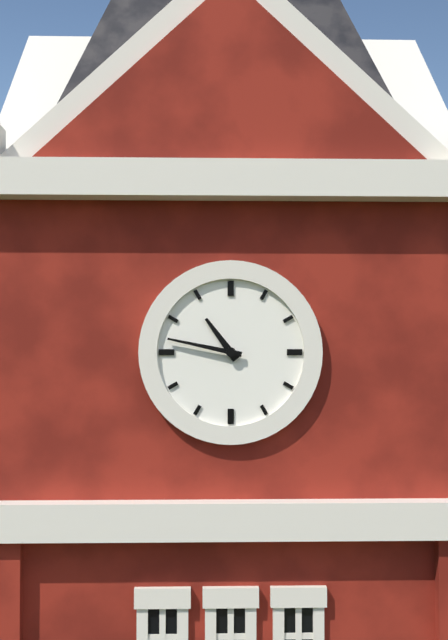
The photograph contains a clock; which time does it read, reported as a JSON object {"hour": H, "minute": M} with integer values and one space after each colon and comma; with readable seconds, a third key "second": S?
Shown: {"hour": 10, "minute": 47}
